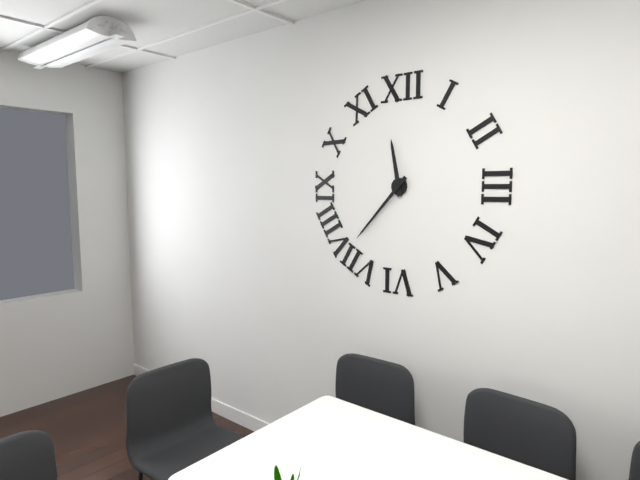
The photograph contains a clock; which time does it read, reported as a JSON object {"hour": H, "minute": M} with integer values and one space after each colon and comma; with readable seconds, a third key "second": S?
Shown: {"hour": 11, "minute": 37}
